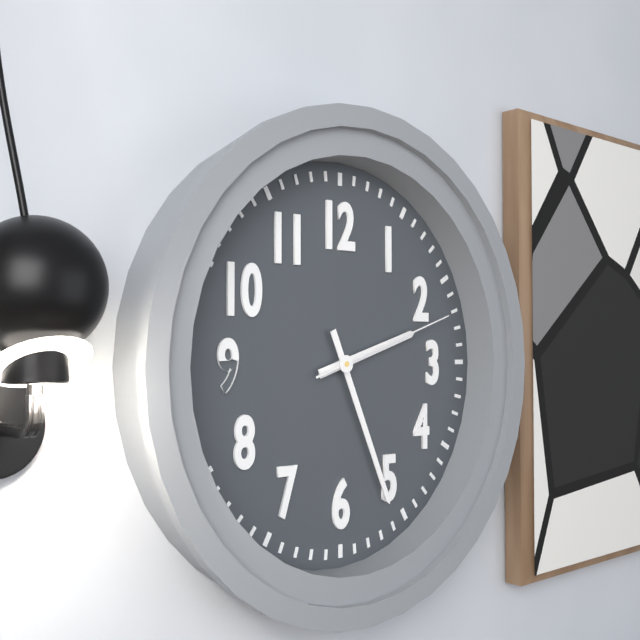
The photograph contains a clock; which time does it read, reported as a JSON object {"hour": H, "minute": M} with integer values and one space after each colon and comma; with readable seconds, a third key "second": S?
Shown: {"hour": 2, "minute": 26, "second": 12}
